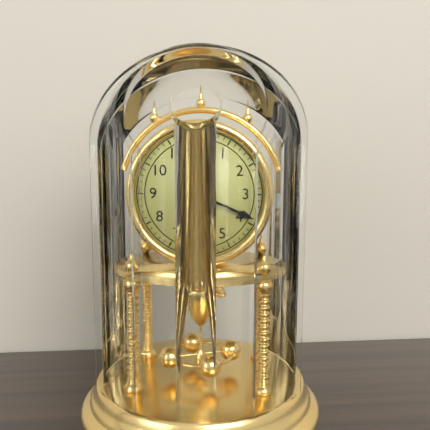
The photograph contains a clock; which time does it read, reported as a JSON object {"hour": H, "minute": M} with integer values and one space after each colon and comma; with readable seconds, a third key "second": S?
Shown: {"hour": 11, "minute": 19}
